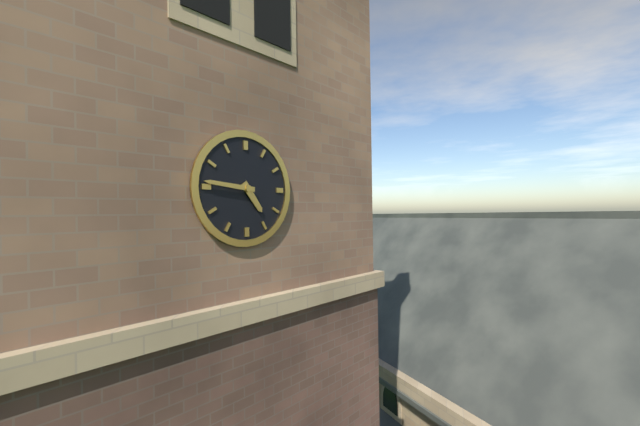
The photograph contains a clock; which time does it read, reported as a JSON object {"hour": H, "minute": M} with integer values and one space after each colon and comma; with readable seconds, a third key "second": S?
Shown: {"hour": 4, "minute": 46}
